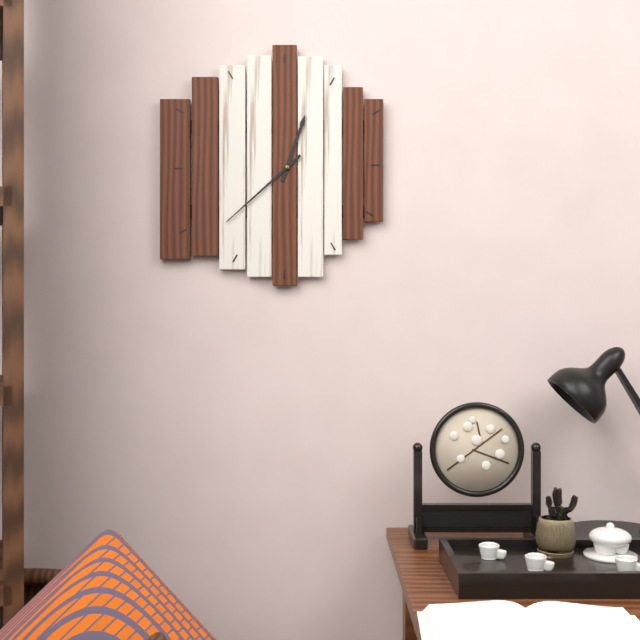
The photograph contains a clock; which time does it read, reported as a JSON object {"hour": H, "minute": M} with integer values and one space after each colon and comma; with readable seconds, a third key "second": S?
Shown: {"hour": 12, "minute": 38}
